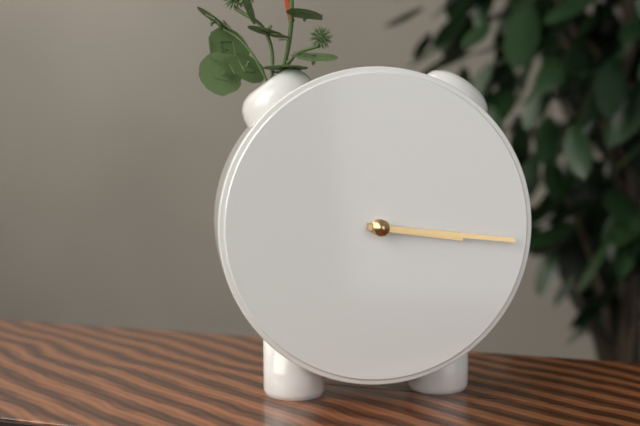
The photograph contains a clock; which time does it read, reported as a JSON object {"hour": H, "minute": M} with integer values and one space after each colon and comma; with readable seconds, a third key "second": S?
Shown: {"hour": 3, "minute": 16}
